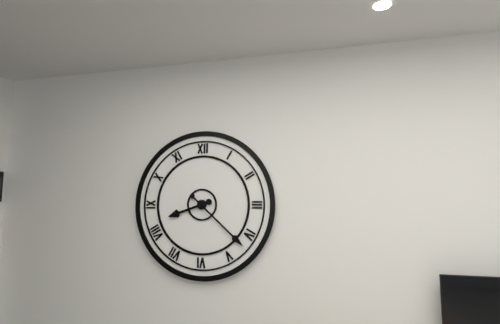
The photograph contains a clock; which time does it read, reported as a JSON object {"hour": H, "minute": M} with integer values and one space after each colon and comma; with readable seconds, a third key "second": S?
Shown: {"hour": 8, "minute": 22}
